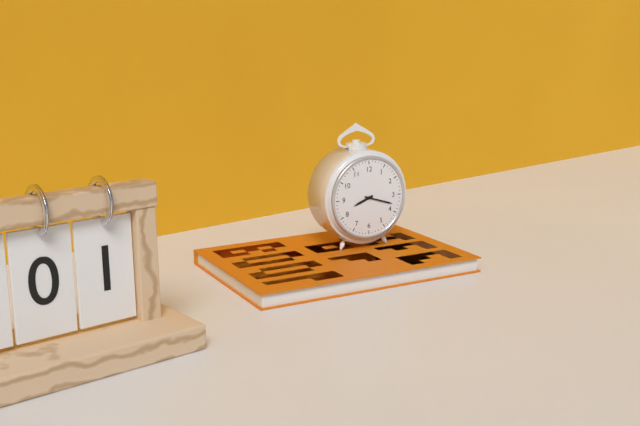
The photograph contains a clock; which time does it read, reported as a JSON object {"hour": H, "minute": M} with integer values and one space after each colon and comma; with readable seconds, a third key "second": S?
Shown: {"hour": 8, "minute": 18}
